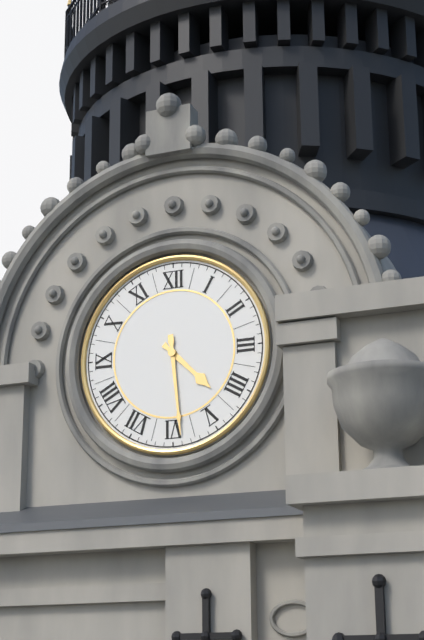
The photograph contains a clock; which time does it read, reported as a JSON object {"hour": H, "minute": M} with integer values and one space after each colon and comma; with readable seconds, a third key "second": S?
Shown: {"hour": 4, "minute": 29}
